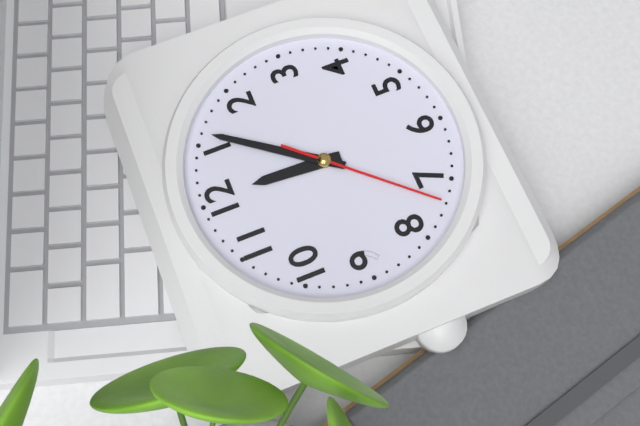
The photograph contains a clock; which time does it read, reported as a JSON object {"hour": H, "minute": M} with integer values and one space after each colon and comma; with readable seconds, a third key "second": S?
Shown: {"hour": 12, "minute": 6, "second": 37}
